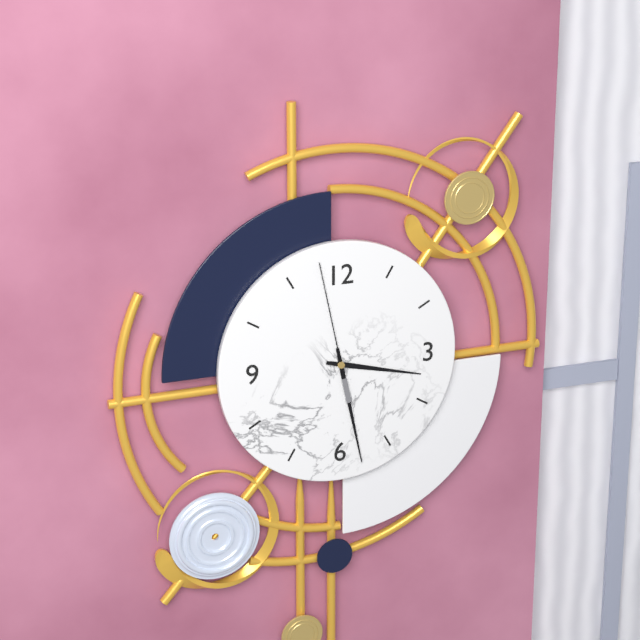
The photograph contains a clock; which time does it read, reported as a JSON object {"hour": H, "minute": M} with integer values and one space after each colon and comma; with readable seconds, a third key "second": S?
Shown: {"hour": 3, "minute": 28, "second": 58}
